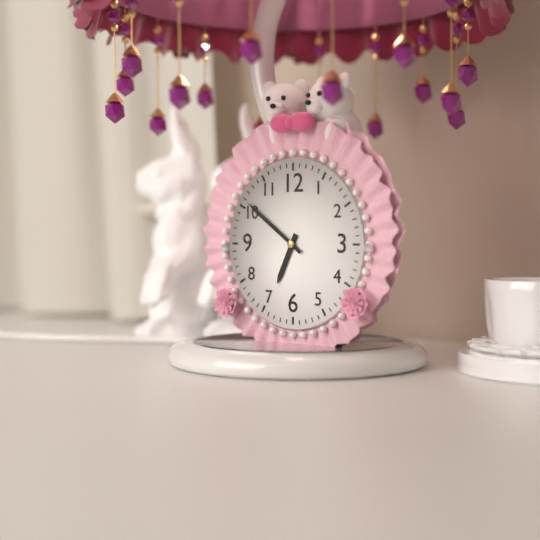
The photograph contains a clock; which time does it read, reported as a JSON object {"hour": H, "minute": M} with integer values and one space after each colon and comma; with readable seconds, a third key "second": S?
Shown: {"hour": 6, "minute": 51}
